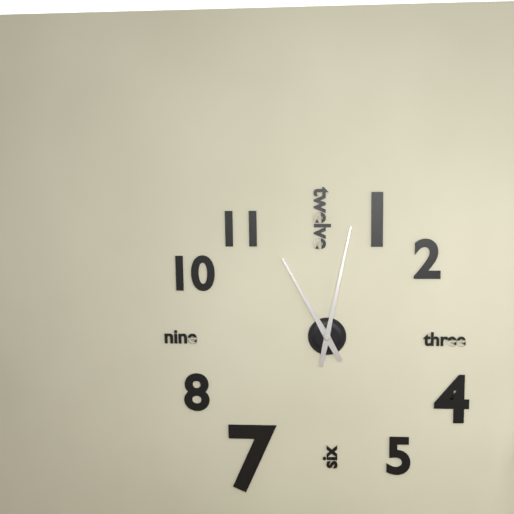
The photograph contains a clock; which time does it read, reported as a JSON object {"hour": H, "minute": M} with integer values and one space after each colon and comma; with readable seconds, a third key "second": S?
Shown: {"hour": 11, "minute": 2}
